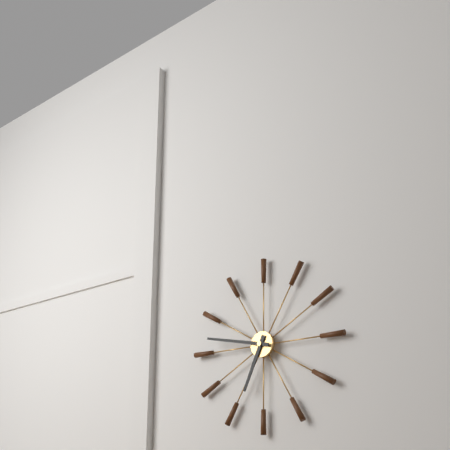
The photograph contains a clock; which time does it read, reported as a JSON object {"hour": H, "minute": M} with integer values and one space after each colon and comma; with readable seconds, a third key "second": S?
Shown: {"hour": 6, "minute": 47}
